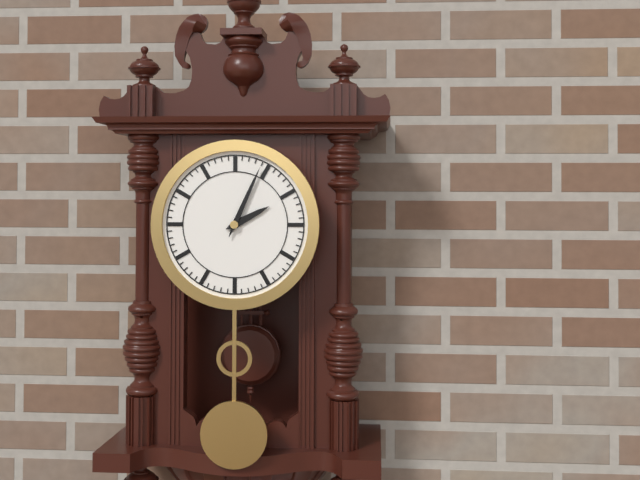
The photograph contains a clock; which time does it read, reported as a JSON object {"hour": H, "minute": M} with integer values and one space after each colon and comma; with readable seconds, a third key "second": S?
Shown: {"hour": 2, "minute": 4}
